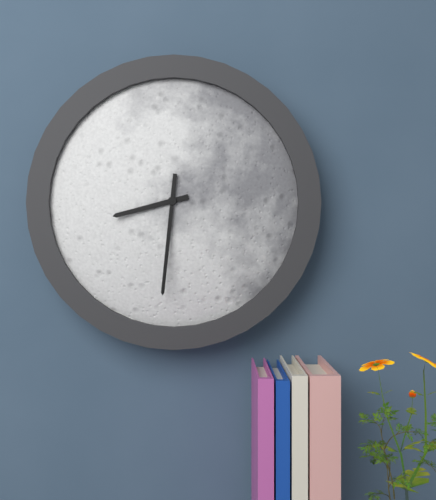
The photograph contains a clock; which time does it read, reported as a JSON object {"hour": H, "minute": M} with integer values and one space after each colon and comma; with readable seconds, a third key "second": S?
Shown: {"hour": 8, "minute": 31}
